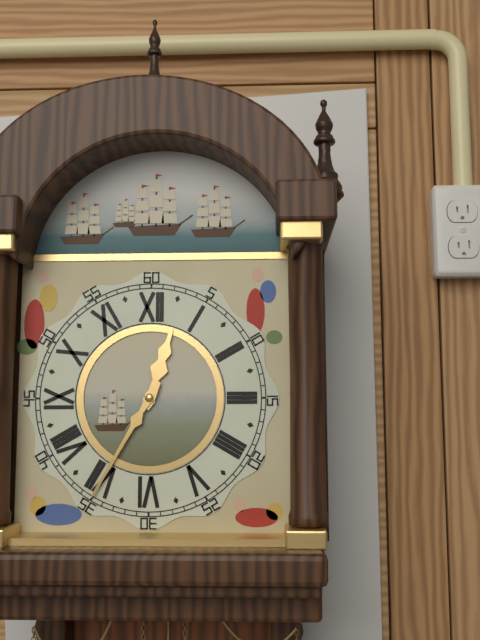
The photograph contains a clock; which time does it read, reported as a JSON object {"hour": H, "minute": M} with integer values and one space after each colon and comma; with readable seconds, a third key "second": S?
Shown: {"hour": 12, "minute": 35}
